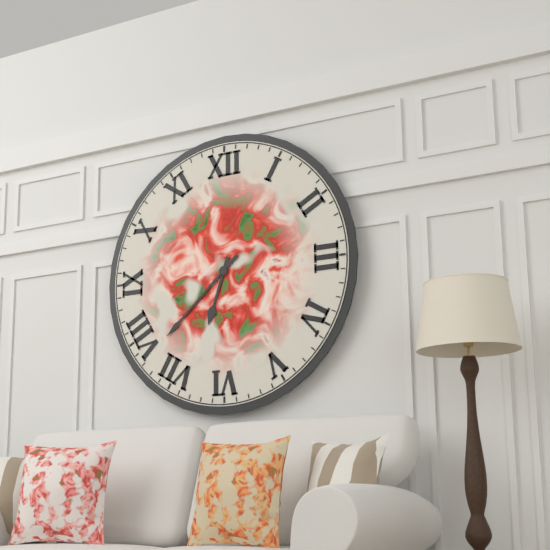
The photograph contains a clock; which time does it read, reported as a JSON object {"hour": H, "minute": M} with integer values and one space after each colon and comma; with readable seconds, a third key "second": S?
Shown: {"hour": 6, "minute": 38}
